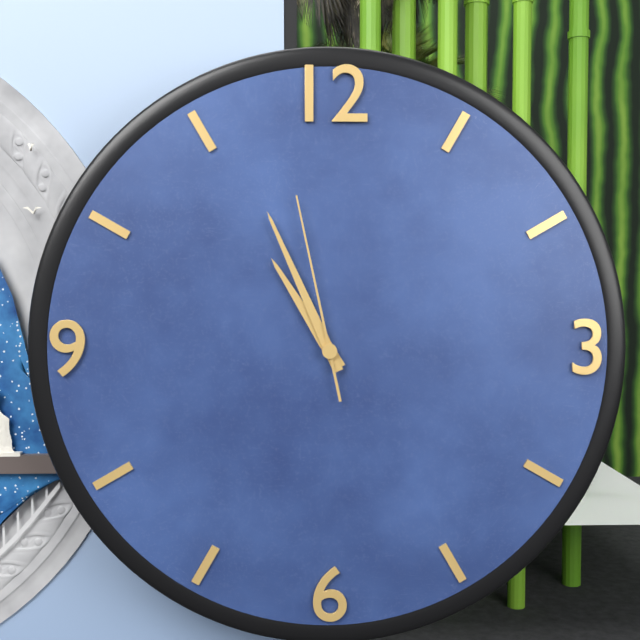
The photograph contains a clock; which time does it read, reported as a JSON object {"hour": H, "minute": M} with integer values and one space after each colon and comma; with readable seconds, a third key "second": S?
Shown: {"hour": 10, "minute": 56, "second": 58}
